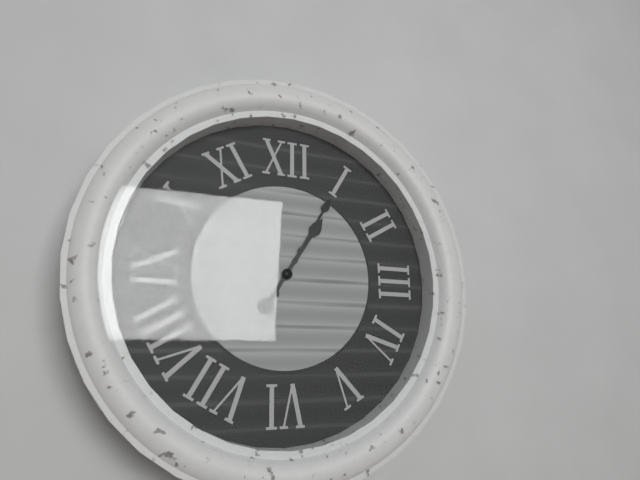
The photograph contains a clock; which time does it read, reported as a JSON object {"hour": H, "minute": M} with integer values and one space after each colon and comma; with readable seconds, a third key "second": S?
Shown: {"hour": 1, "minute": 5}
